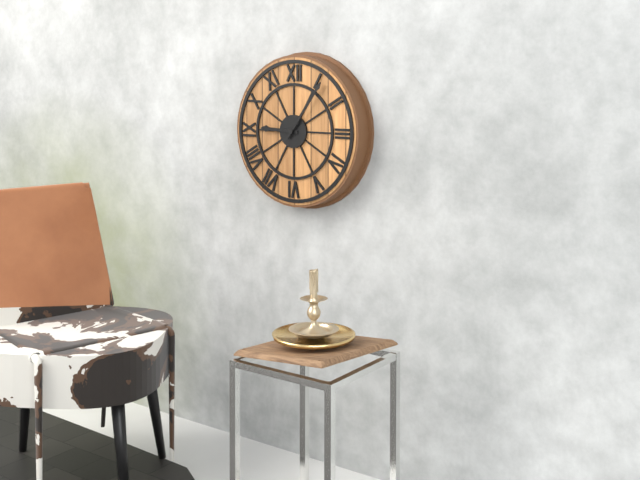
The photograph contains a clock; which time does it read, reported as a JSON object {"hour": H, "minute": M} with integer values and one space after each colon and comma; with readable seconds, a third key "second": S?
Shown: {"hour": 9, "minute": 6}
